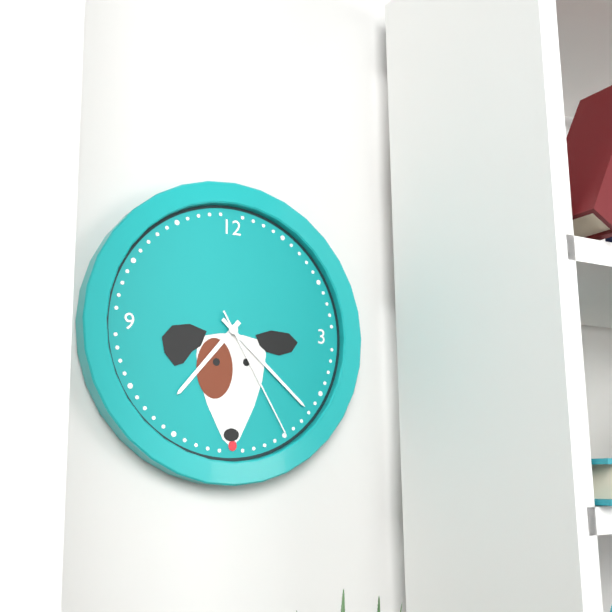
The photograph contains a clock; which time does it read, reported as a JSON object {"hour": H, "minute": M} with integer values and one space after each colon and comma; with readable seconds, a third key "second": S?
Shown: {"hour": 7, "minute": 22, "second": 25}
